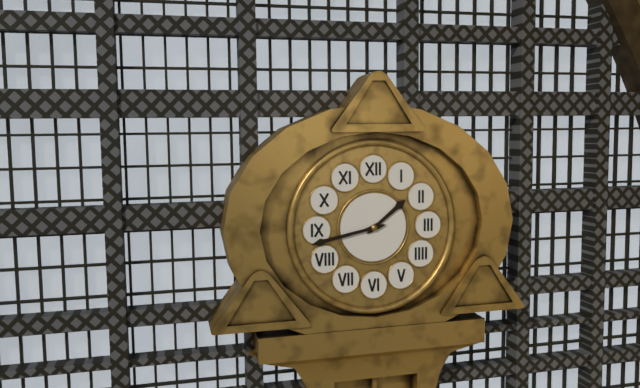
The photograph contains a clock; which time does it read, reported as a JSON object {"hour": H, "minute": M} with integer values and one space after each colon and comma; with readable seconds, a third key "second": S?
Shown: {"hour": 1, "minute": 43}
